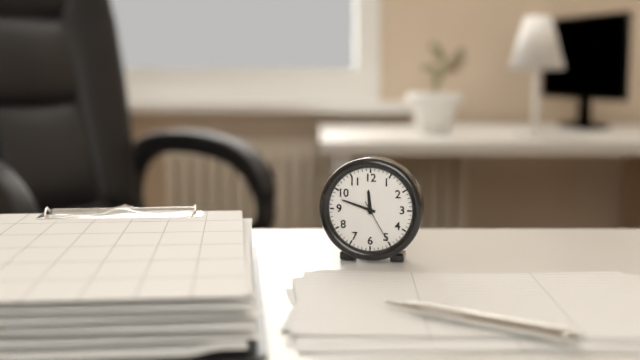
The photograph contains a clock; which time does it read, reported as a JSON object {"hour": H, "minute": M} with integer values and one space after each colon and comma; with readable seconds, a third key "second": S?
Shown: {"hour": 11, "minute": 48}
